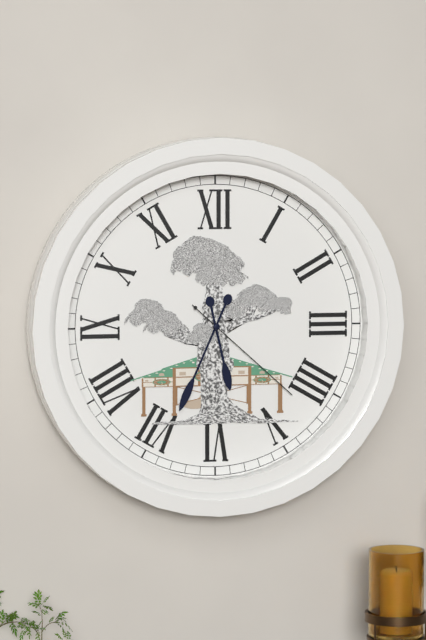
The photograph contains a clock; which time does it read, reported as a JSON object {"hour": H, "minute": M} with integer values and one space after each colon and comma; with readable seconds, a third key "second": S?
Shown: {"hour": 5, "minute": 34, "second": 22}
